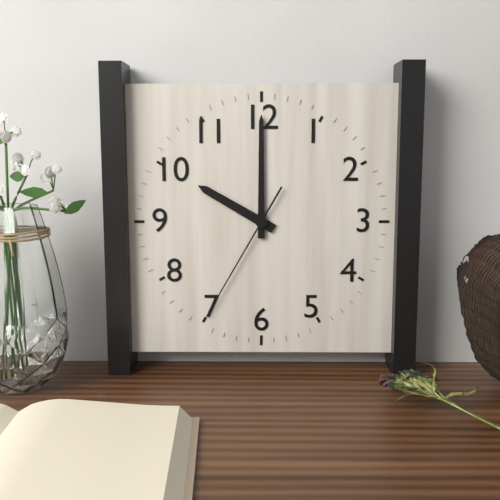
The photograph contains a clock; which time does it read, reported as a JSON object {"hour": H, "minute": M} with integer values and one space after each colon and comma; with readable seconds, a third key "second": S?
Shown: {"hour": 10, "minute": 0, "second": 35}
